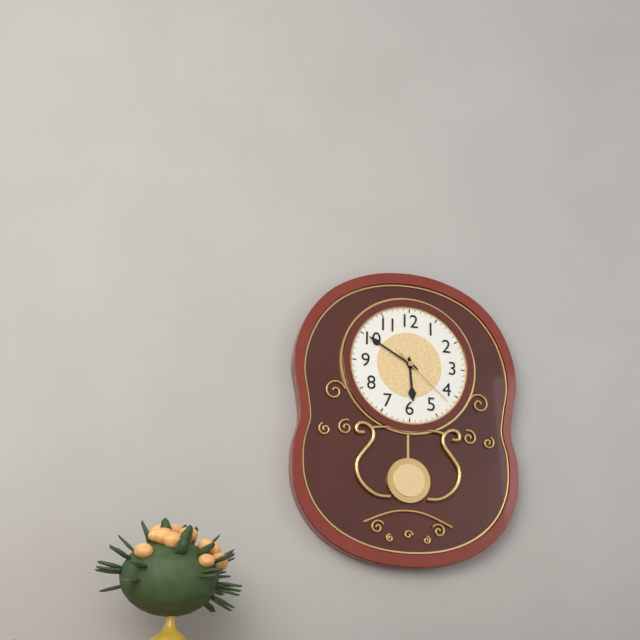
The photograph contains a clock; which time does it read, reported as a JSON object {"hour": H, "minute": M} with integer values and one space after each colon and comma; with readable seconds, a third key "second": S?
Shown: {"hour": 5, "minute": 50, "second": 22}
